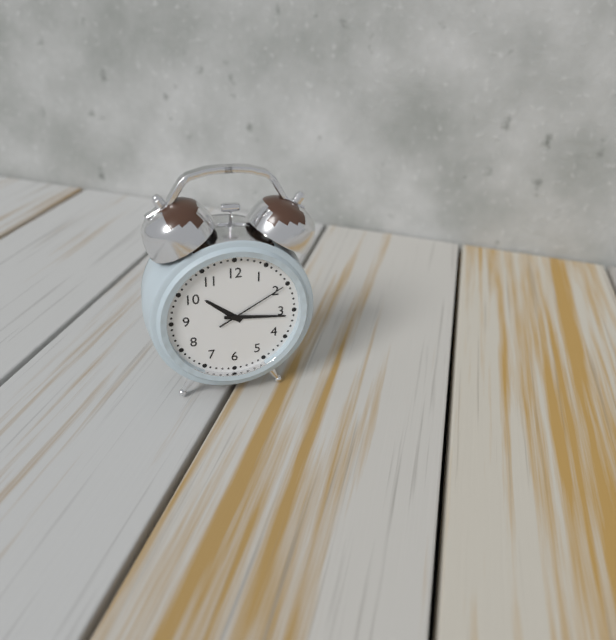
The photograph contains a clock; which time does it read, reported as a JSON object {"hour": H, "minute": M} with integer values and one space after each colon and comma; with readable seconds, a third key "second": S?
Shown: {"hour": 10, "minute": 16, "second": 10}
